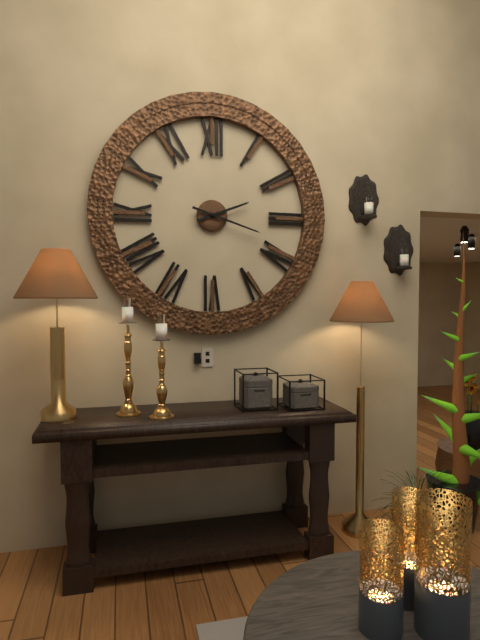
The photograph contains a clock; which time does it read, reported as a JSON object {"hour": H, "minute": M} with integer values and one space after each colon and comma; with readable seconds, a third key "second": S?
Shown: {"hour": 2, "minute": 18}
